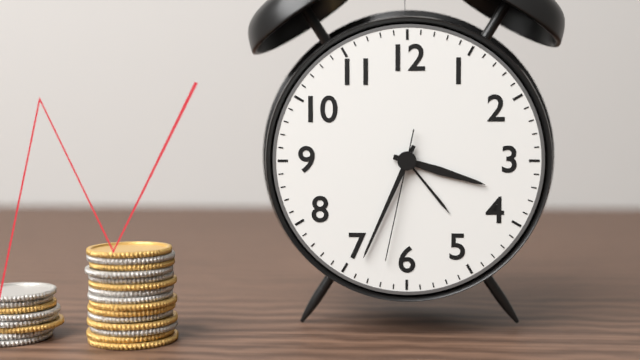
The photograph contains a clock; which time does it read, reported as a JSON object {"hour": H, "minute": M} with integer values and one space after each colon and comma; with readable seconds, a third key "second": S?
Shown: {"hour": 3, "minute": 34, "second": 32}
